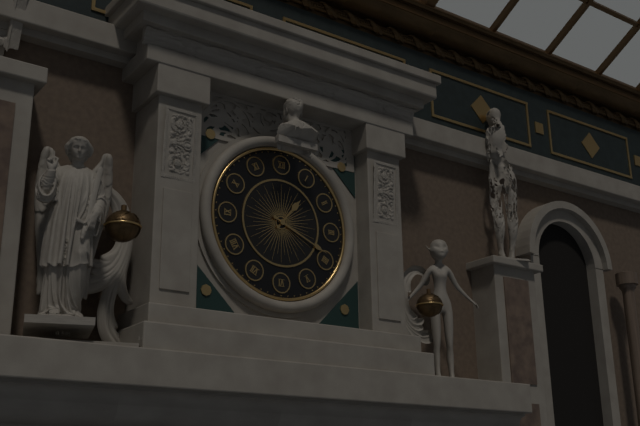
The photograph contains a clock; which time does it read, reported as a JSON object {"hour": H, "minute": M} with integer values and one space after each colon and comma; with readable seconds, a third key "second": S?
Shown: {"hour": 1, "minute": 19}
